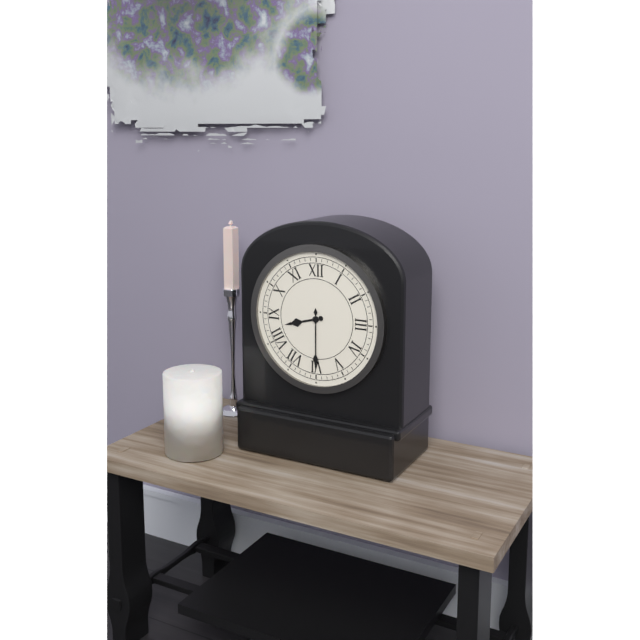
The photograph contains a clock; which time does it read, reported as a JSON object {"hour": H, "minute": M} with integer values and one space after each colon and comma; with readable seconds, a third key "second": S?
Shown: {"hour": 8, "minute": 30}
